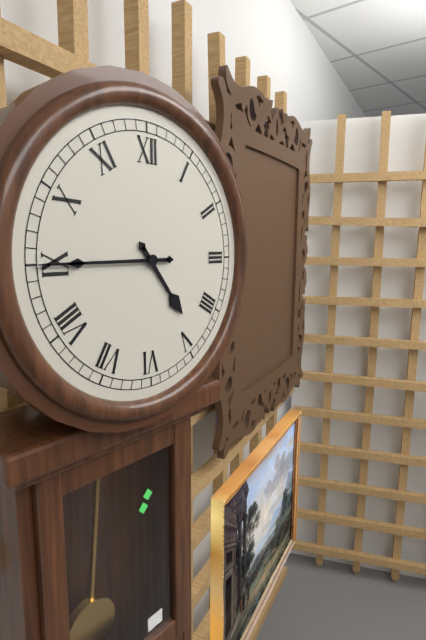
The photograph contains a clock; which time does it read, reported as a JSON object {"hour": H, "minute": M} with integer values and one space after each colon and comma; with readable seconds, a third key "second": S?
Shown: {"hour": 4, "minute": 45}
